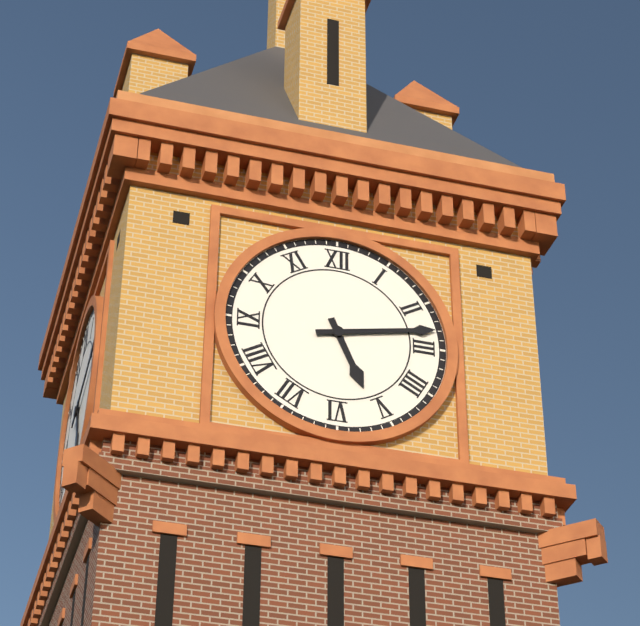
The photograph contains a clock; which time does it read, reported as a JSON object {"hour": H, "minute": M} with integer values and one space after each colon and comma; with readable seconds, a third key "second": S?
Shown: {"hour": 5, "minute": 13}
